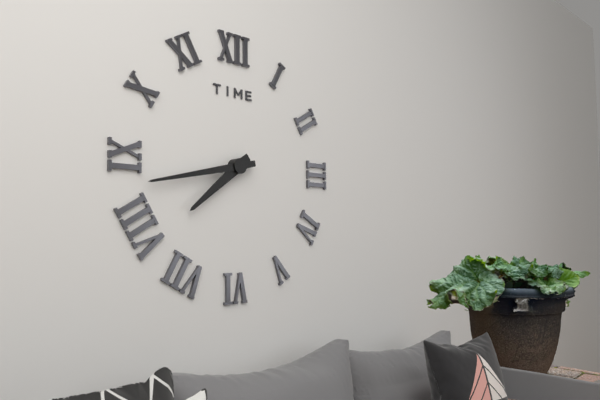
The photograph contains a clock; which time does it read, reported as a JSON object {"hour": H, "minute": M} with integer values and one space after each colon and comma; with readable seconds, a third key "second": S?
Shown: {"hour": 7, "minute": 43}
